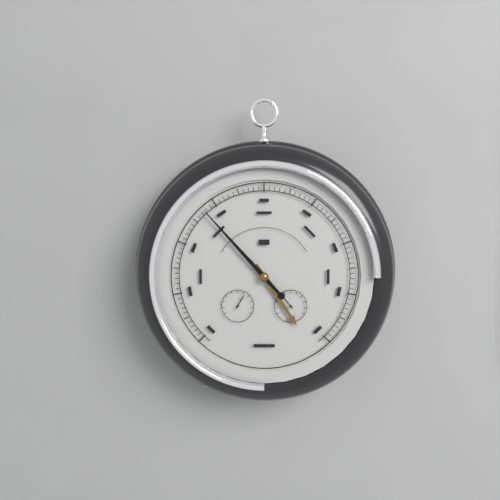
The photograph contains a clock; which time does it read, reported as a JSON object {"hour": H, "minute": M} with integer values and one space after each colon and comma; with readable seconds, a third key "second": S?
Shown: {"hour": 4, "minute": 53}
